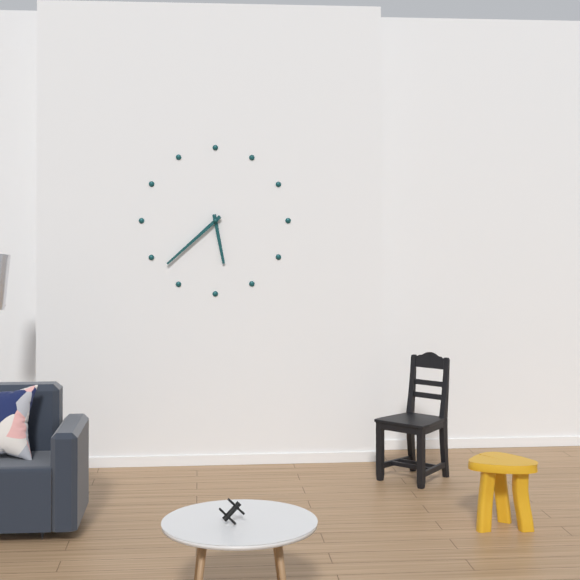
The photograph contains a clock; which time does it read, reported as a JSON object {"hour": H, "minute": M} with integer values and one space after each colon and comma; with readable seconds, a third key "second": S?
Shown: {"hour": 5, "minute": 38}
